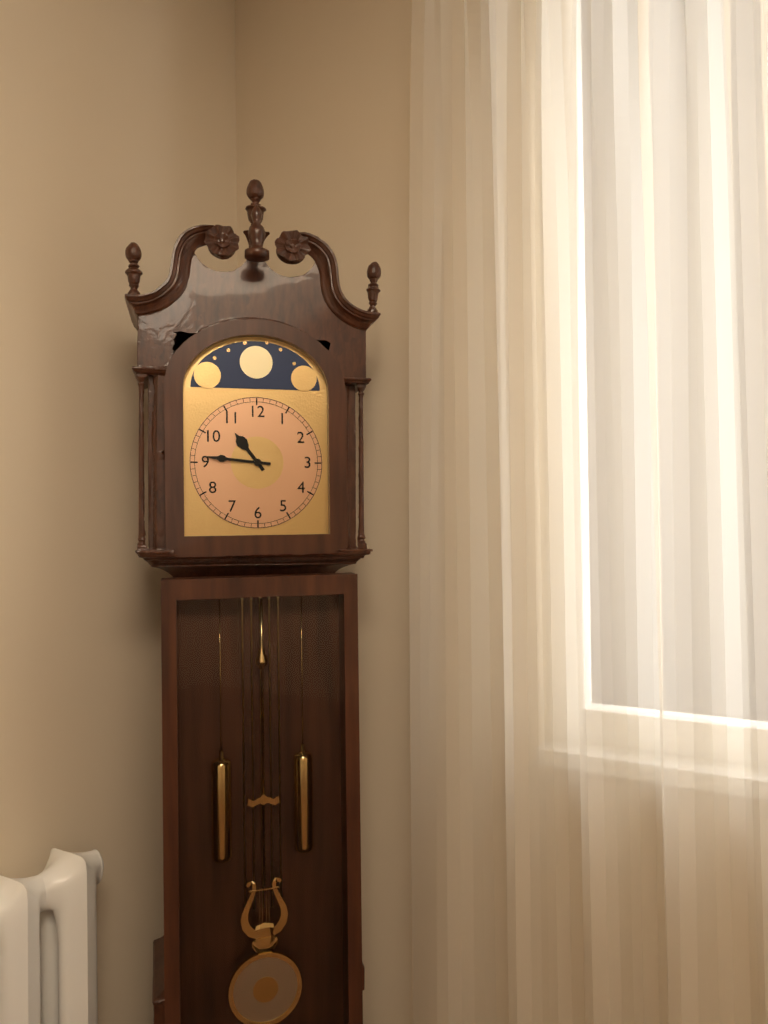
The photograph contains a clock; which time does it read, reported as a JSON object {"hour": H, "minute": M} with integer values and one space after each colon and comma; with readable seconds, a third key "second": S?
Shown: {"hour": 10, "minute": 46}
